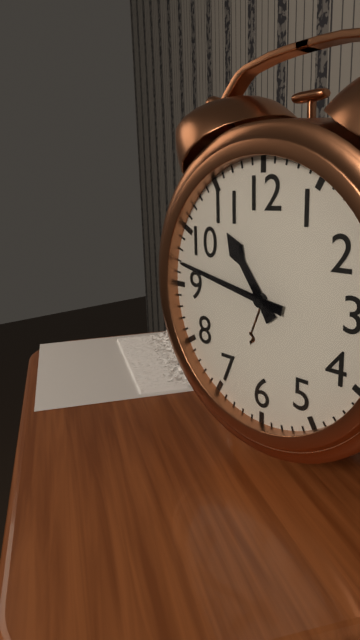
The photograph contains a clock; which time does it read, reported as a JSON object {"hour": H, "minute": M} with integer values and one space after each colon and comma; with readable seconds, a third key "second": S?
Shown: {"hour": 10, "minute": 47}
